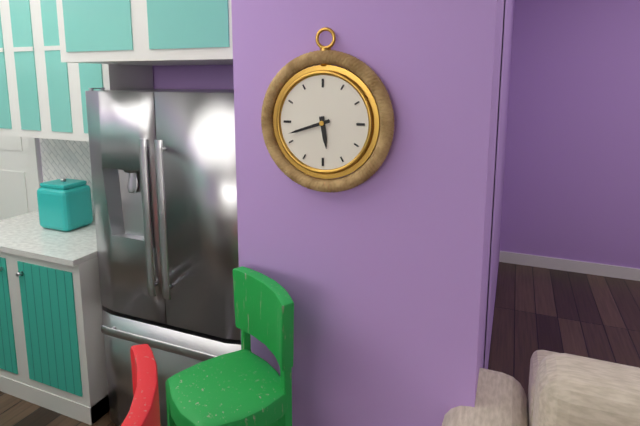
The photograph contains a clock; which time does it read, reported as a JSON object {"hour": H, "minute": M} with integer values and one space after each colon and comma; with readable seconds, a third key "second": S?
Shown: {"hour": 5, "minute": 42}
